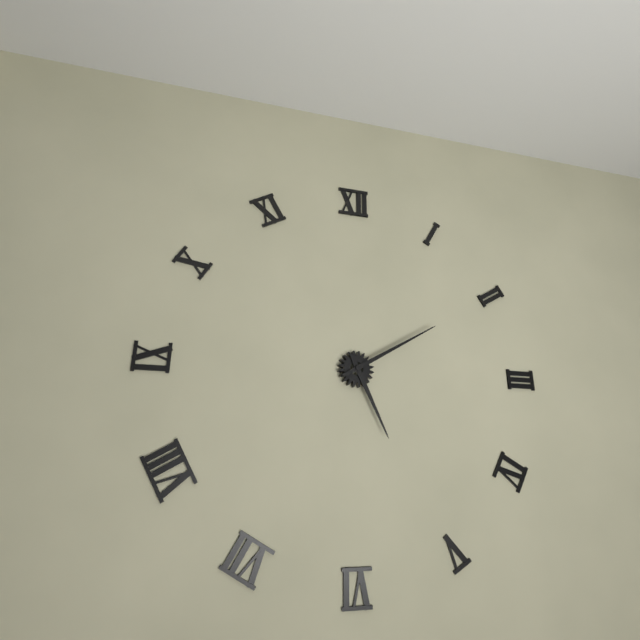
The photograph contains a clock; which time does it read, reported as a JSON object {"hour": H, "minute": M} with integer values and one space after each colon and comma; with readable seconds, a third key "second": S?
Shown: {"hour": 5, "minute": 10}
